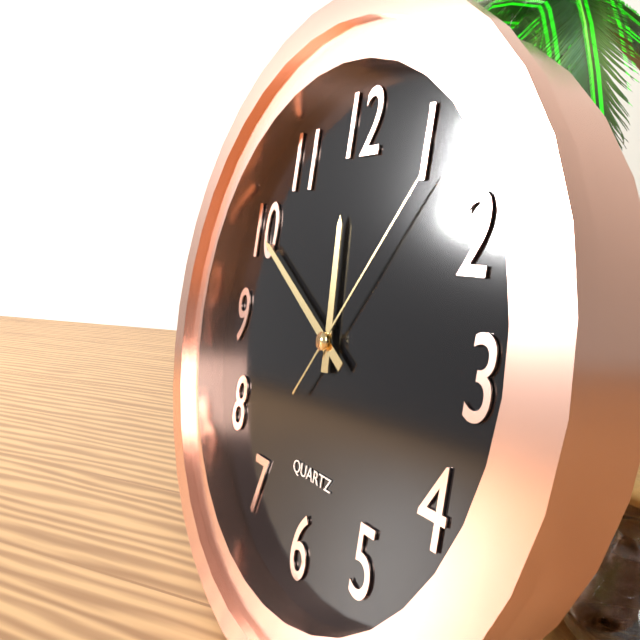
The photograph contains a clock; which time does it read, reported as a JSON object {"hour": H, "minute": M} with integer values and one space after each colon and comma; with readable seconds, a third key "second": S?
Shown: {"hour": 11, "minute": 50, "second": 6}
